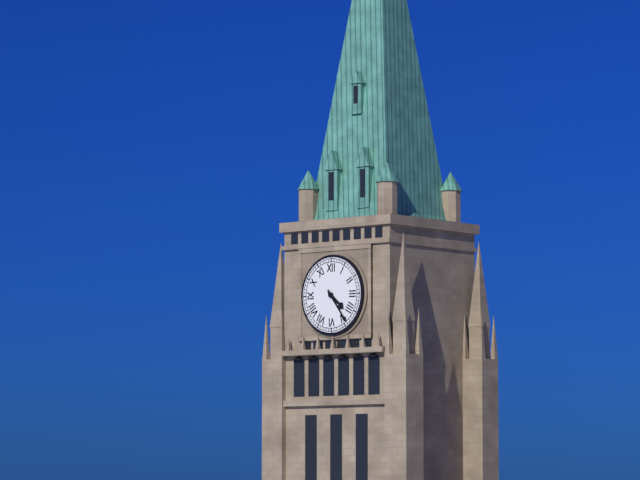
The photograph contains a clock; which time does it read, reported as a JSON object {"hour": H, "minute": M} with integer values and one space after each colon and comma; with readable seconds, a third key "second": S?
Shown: {"hour": 4, "minute": 24}
